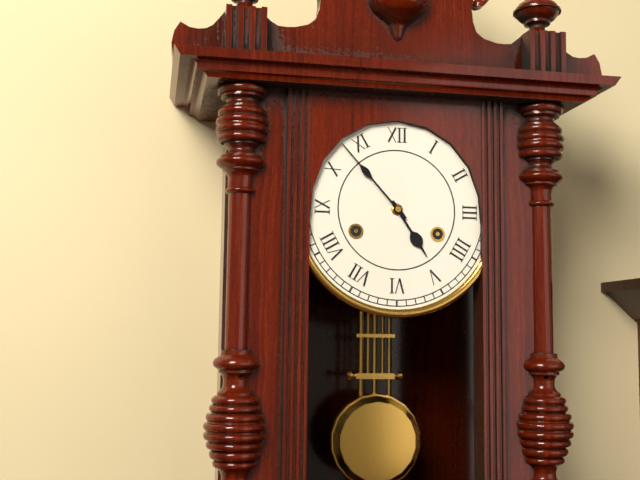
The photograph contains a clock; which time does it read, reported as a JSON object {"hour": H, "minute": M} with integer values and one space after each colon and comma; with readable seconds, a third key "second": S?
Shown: {"hour": 4, "minute": 53}
